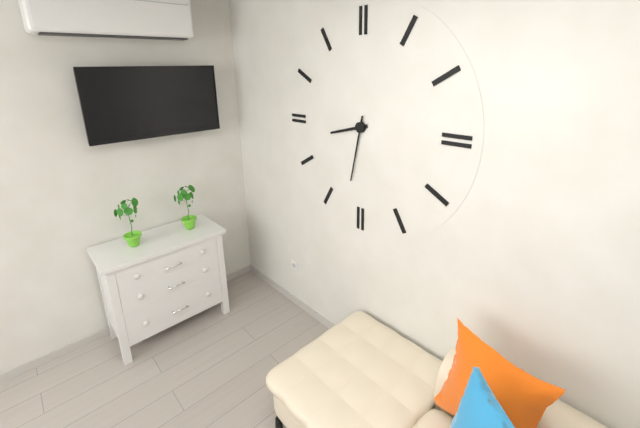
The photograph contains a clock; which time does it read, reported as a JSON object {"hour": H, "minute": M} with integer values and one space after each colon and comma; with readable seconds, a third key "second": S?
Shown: {"hour": 8, "minute": 32}
